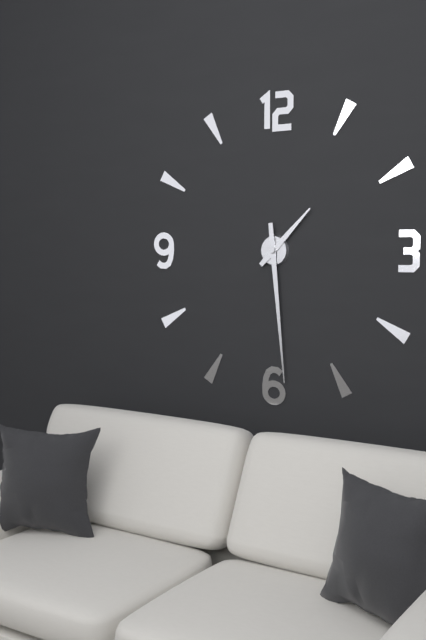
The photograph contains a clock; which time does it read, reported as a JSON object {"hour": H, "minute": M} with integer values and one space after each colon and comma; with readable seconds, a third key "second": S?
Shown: {"hour": 1, "minute": 29}
